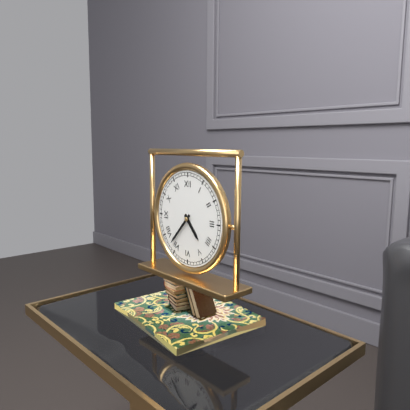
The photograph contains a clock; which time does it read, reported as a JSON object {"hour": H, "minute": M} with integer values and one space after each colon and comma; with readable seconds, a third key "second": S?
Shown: {"hour": 4, "minute": 37}
